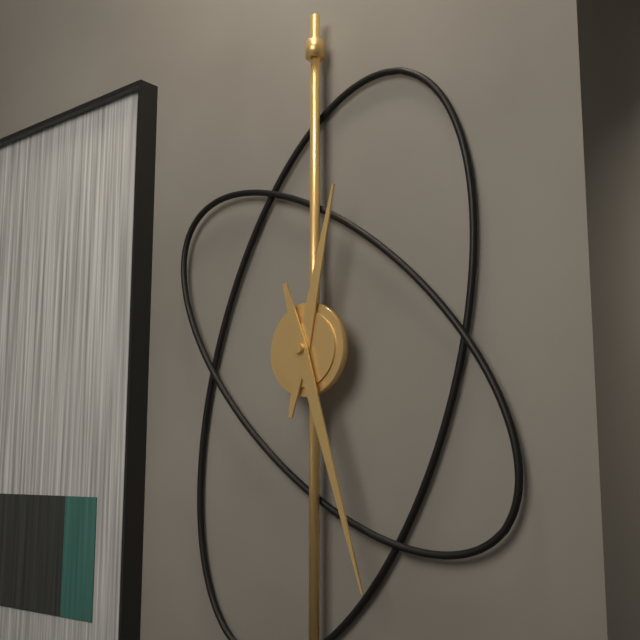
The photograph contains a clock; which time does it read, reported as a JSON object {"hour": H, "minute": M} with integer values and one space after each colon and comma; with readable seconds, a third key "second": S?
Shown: {"hour": 12, "minute": 27}
